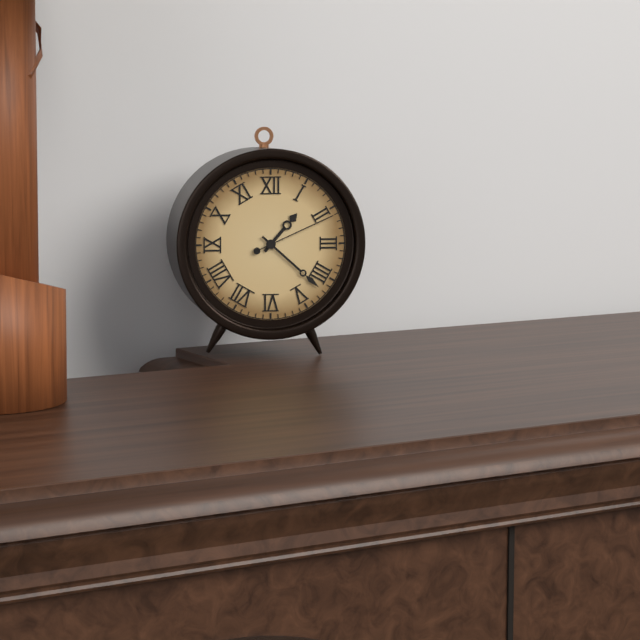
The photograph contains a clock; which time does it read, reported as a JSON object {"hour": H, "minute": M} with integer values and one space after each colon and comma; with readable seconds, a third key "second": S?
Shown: {"hour": 1, "minute": 22, "second": 11}
